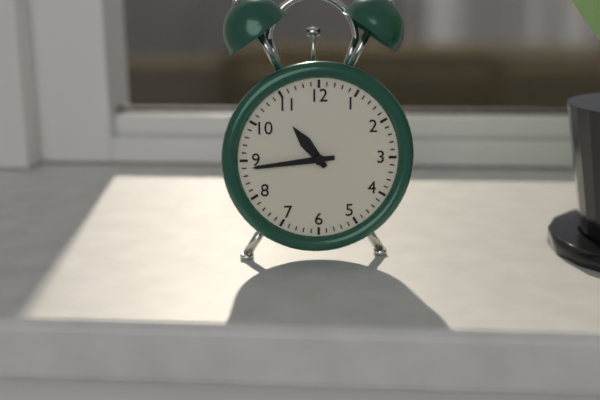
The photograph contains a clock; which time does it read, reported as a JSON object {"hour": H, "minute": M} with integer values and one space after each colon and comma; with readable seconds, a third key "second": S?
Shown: {"hour": 10, "minute": 44}
